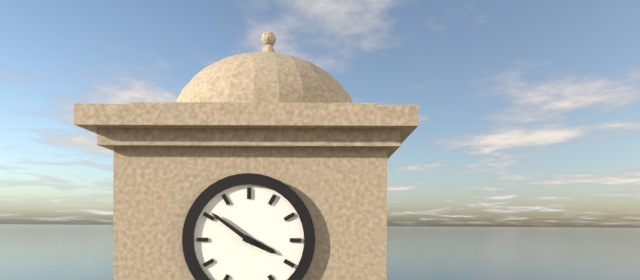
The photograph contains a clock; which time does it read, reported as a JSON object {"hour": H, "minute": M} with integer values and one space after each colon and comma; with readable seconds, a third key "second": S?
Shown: {"hour": 3, "minute": 51}
